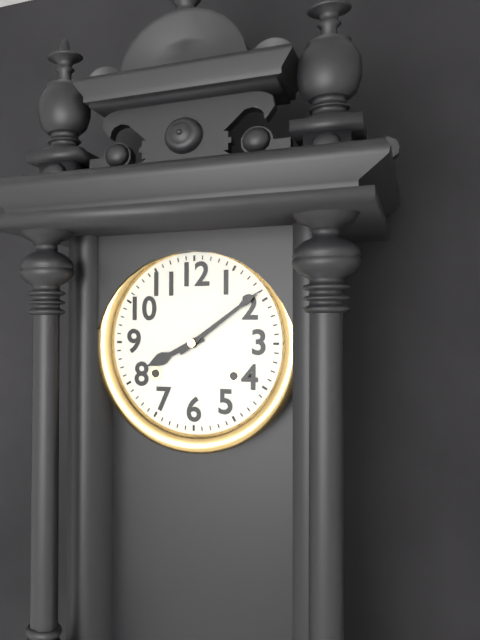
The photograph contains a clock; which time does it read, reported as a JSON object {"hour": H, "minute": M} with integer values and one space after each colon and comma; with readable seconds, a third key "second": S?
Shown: {"hour": 8, "minute": 9}
